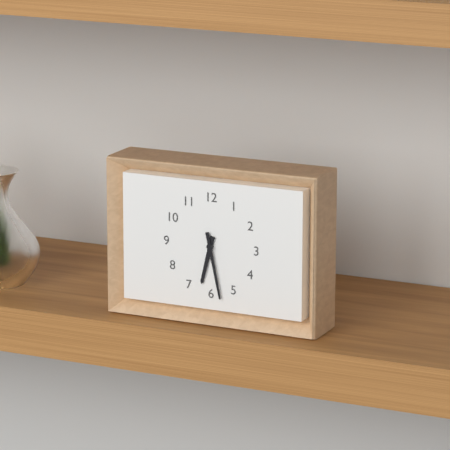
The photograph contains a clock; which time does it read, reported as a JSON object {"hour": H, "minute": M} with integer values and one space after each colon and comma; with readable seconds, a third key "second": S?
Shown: {"hour": 6, "minute": 28}
